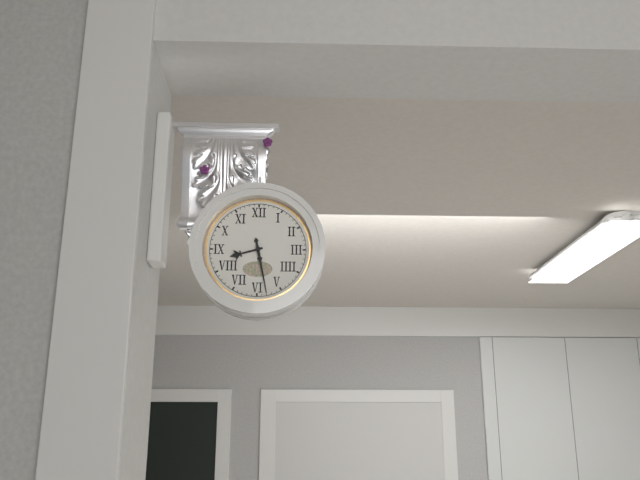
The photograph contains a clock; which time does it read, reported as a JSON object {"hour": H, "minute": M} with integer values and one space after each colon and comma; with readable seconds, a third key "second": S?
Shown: {"hour": 8, "minute": 28}
